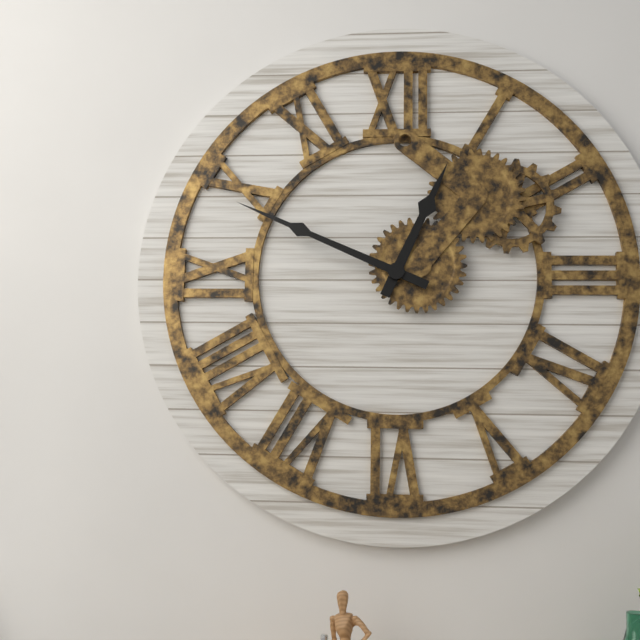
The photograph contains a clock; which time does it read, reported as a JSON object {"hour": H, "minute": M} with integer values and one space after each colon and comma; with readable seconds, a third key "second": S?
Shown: {"hour": 12, "minute": 49}
